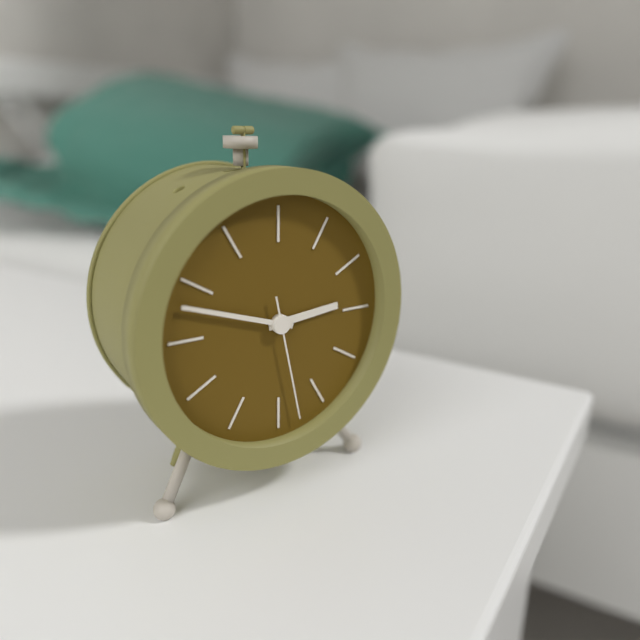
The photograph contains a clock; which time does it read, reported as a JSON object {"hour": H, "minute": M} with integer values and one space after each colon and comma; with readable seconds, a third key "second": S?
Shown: {"hour": 2, "minute": 48, "second": 28}
